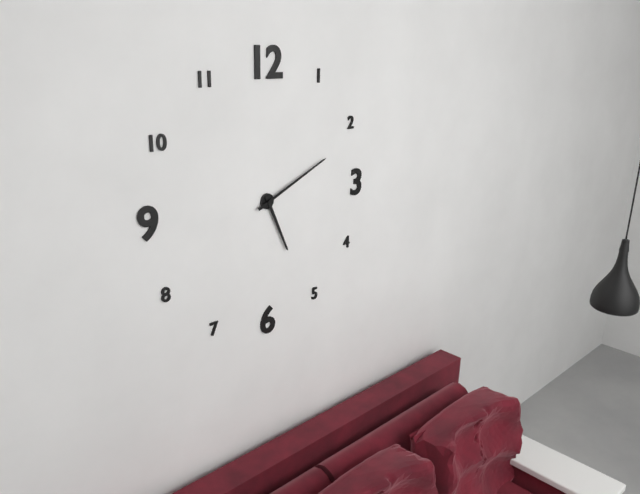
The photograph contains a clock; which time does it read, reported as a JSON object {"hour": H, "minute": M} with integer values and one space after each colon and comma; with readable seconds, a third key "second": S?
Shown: {"hour": 5, "minute": 11}
